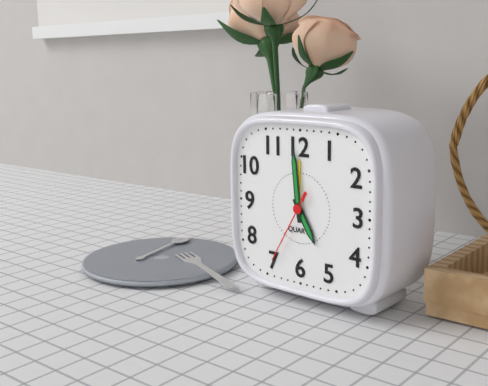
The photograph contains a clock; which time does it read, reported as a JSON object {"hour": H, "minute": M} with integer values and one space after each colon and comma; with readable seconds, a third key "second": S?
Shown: {"hour": 4, "minute": 59, "second": 35}
